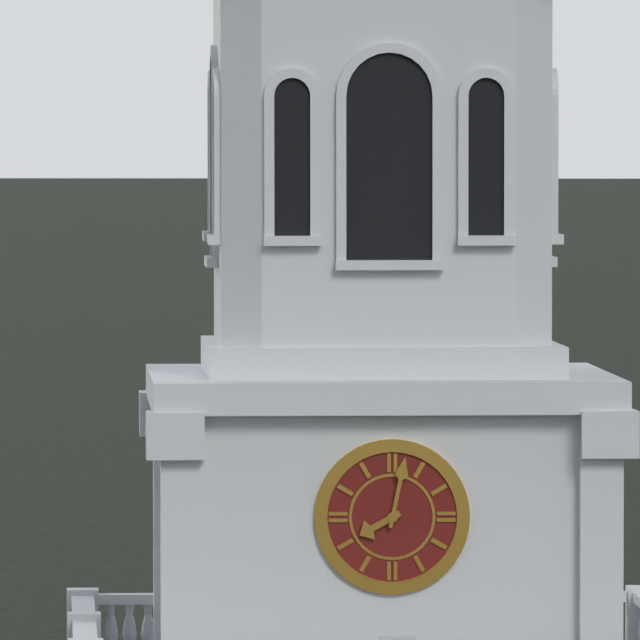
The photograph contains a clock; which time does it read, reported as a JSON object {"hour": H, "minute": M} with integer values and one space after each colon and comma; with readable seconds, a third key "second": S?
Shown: {"hour": 8, "minute": 2}
